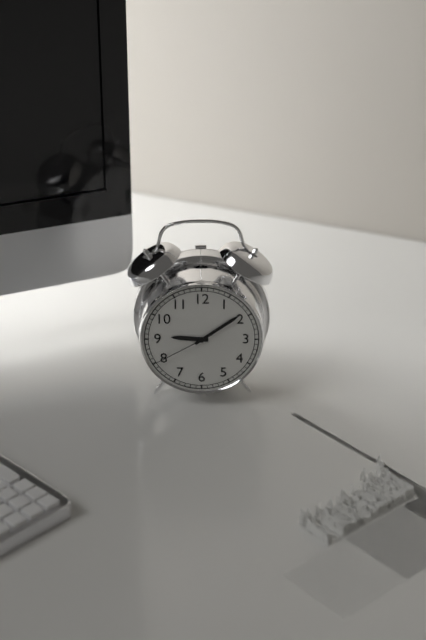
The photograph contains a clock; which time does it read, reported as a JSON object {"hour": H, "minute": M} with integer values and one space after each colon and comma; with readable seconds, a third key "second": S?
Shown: {"hour": 9, "minute": 9, "second": 40}
